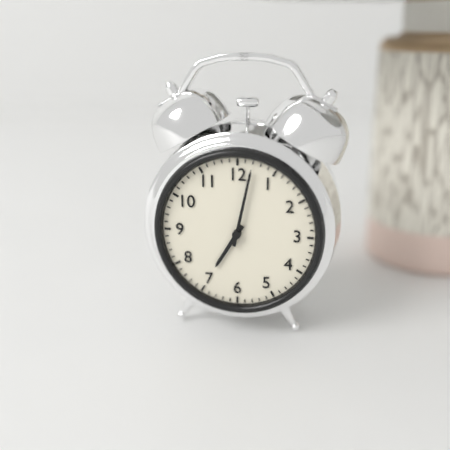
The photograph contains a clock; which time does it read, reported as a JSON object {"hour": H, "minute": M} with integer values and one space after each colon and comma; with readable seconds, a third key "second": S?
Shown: {"hour": 7, "minute": 2}
